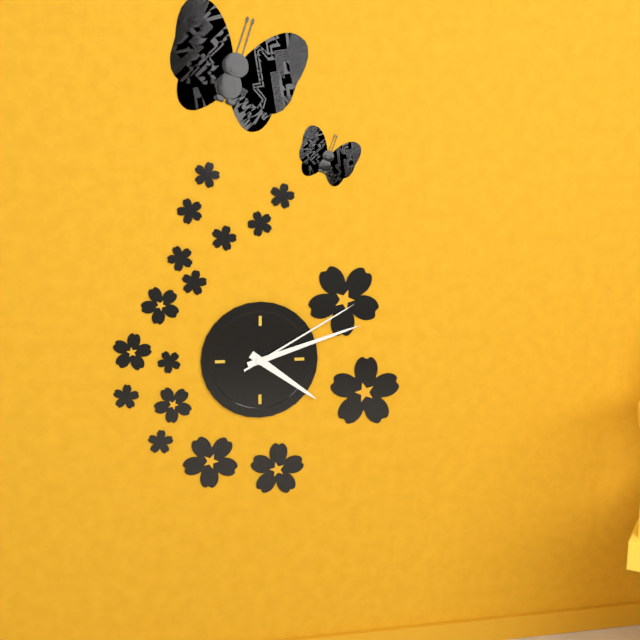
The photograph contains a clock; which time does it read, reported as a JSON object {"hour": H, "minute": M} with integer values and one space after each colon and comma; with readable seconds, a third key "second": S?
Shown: {"hour": 4, "minute": 12, "second": 10}
